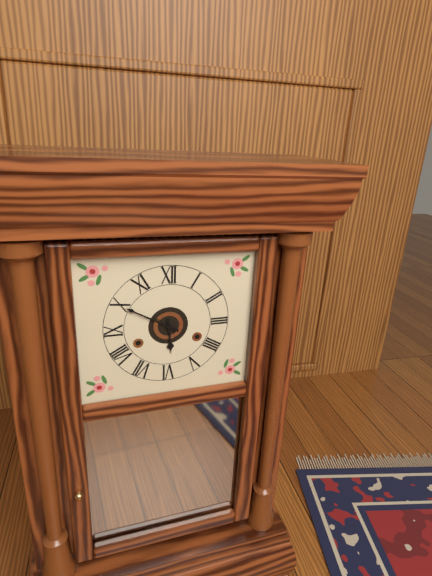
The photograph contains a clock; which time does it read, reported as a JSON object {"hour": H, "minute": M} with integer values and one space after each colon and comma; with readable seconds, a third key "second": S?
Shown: {"hour": 5, "minute": 50}
